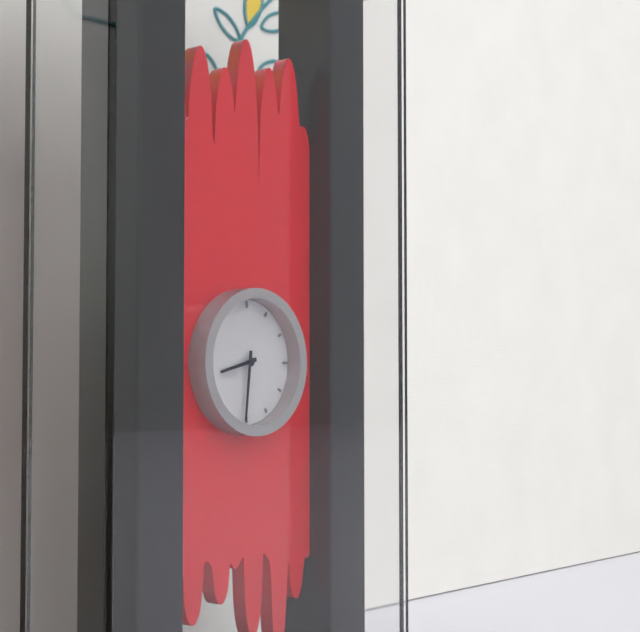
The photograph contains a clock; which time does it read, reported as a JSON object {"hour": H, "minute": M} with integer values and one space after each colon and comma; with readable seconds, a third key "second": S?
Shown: {"hour": 8, "minute": 31}
